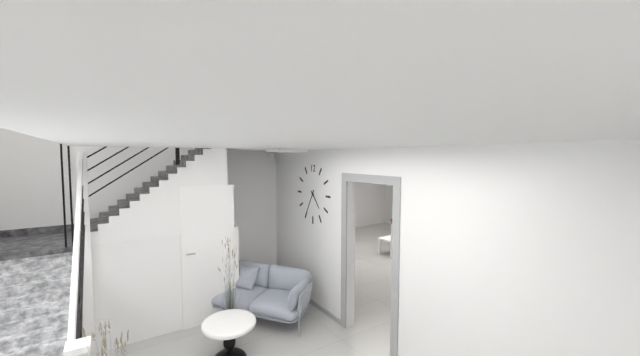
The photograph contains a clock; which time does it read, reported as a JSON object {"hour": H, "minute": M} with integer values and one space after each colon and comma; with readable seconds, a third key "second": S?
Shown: {"hour": 4, "minute": 35}
